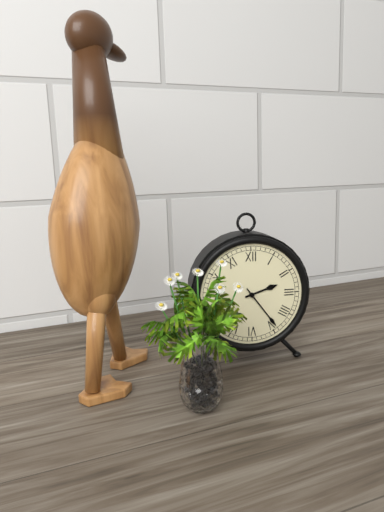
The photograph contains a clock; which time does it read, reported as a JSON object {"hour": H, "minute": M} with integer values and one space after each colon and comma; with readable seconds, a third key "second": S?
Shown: {"hour": 2, "minute": 24}
